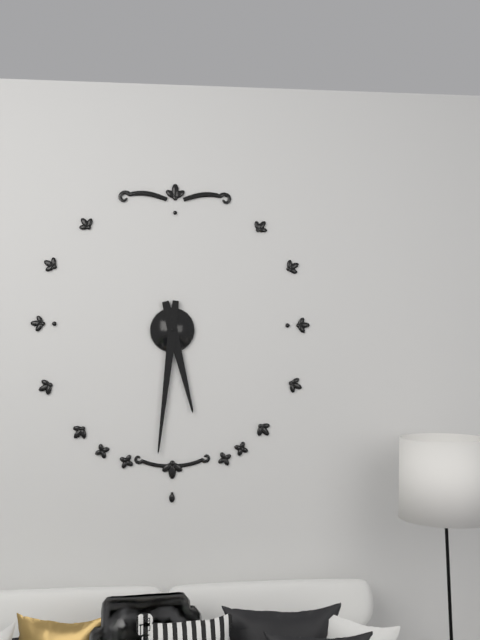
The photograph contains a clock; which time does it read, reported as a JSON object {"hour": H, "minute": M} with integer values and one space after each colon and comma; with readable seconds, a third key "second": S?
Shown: {"hour": 5, "minute": 31}
